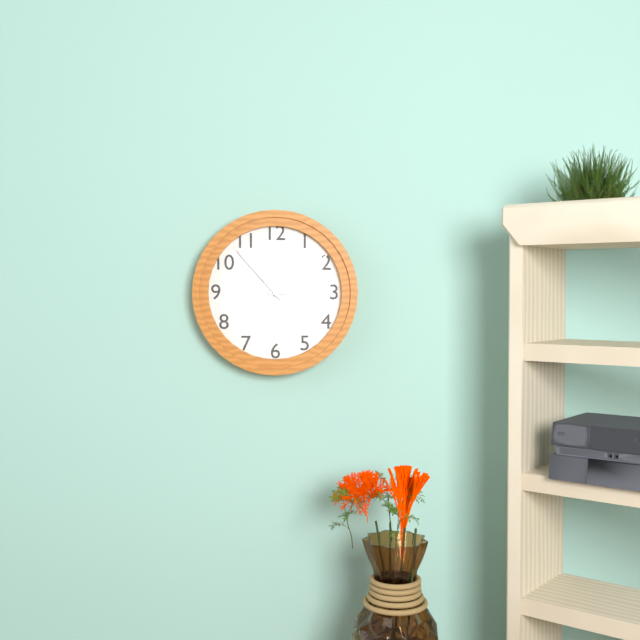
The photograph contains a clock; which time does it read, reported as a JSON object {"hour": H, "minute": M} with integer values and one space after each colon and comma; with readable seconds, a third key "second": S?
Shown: {"hour": 2, "minute": 53, "second": 9}
